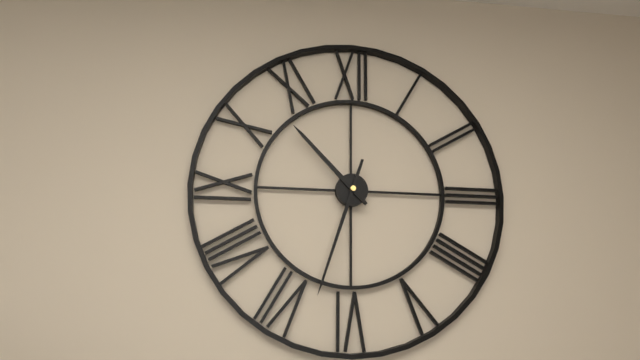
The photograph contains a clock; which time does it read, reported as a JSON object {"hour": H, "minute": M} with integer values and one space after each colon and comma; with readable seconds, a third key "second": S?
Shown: {"hour": 10, "minute": 33}
